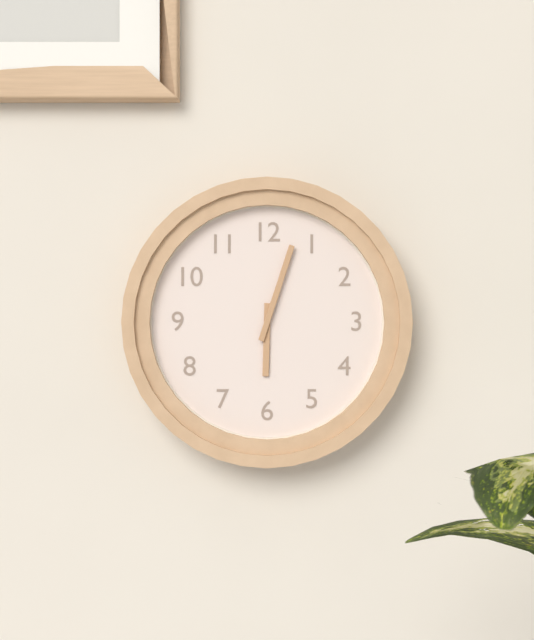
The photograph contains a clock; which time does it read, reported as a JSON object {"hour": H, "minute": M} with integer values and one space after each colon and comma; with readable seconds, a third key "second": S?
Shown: {"hour": 6, "minute": 3}
